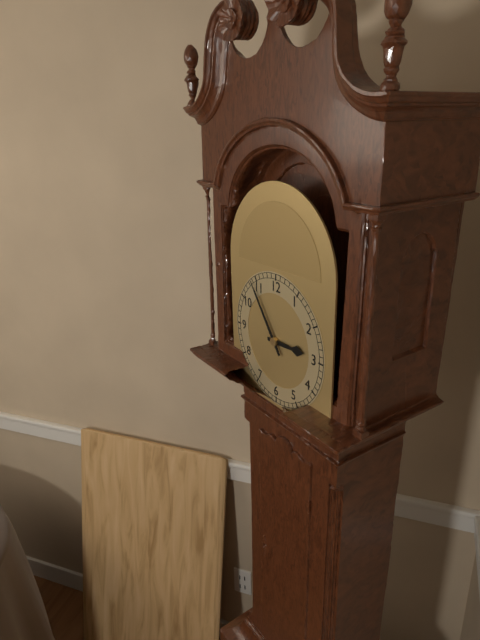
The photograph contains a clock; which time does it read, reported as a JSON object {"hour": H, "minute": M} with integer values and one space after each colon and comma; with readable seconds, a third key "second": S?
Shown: {"hour": 2, "minute": 54}
